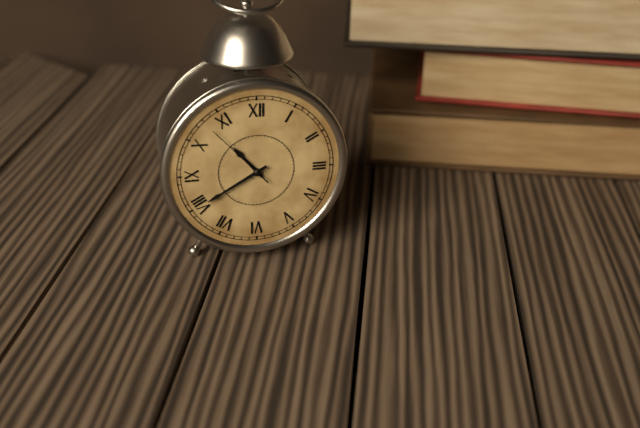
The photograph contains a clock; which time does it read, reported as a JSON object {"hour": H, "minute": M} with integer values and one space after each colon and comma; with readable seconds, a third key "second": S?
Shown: {"hour": 10, "minute": 40, "second": 53}
